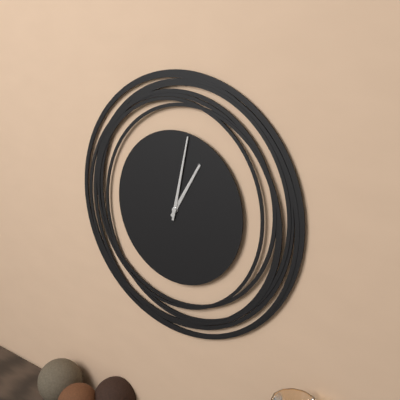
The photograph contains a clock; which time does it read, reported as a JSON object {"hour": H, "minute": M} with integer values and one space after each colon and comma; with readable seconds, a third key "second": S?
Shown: {"hour": 1, "minute": 2}
